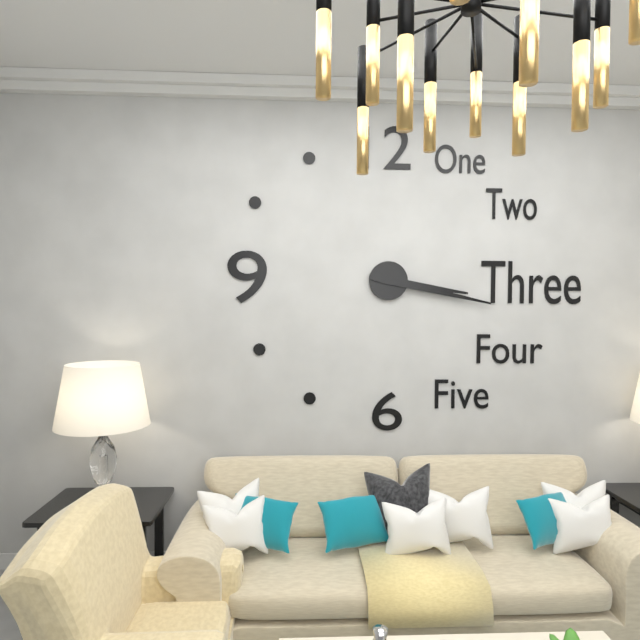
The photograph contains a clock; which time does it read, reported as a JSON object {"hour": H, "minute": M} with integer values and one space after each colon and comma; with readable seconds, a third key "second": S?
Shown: {"hour": 3, "minute": 17}
